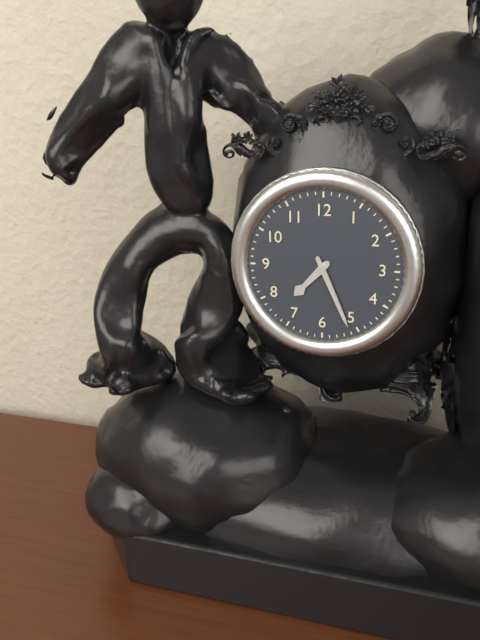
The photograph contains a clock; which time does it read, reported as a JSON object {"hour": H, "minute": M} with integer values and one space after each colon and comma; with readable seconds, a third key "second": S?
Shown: {"hour": 7, "minute": 26}
